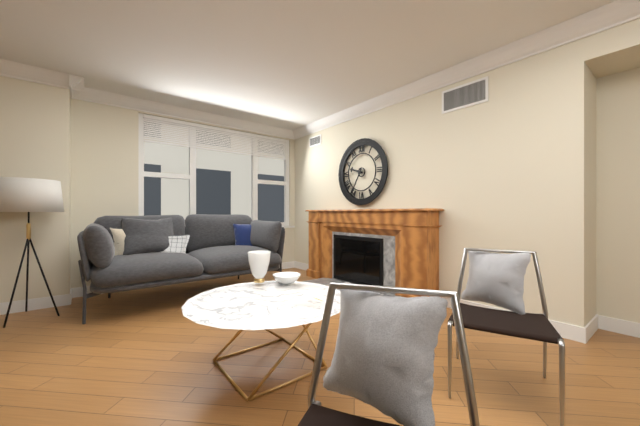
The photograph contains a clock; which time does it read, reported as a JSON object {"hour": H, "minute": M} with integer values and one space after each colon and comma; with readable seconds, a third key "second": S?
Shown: {"hour": 9, "minute": 35}
